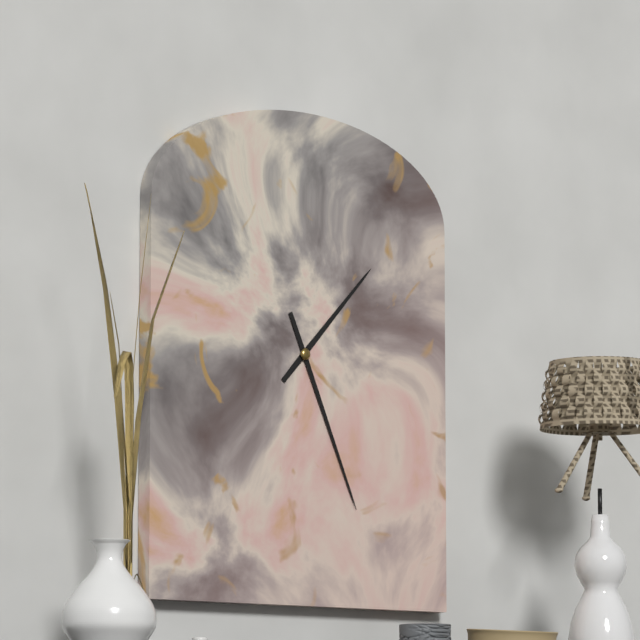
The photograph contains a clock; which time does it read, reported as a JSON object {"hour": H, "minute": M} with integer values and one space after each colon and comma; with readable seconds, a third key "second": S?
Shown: {"hour": 1, "minute": 26}
